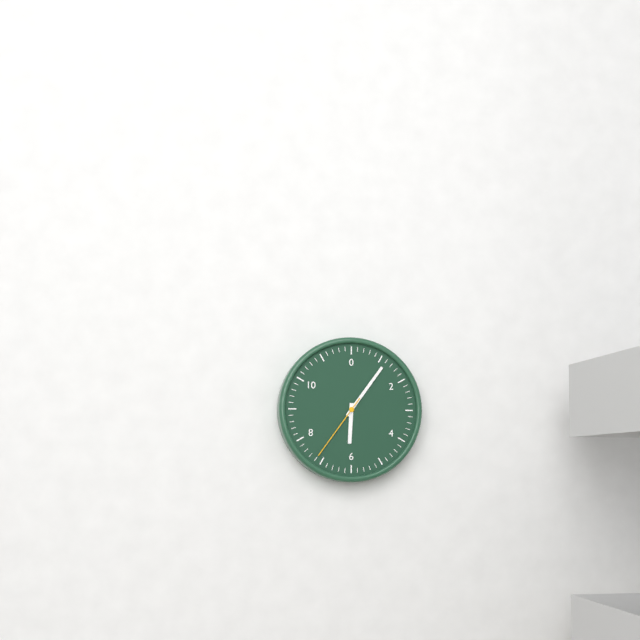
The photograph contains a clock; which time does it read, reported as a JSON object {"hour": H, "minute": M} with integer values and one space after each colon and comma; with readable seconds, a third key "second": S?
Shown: {"hour": 6, "minute": 6, "second": 36}
